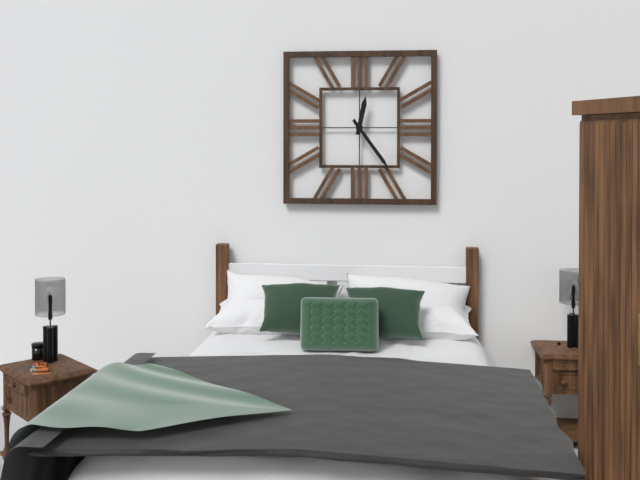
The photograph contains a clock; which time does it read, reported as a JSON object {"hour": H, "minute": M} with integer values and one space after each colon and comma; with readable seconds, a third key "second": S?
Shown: {"hour": 12, "minute": 24}
